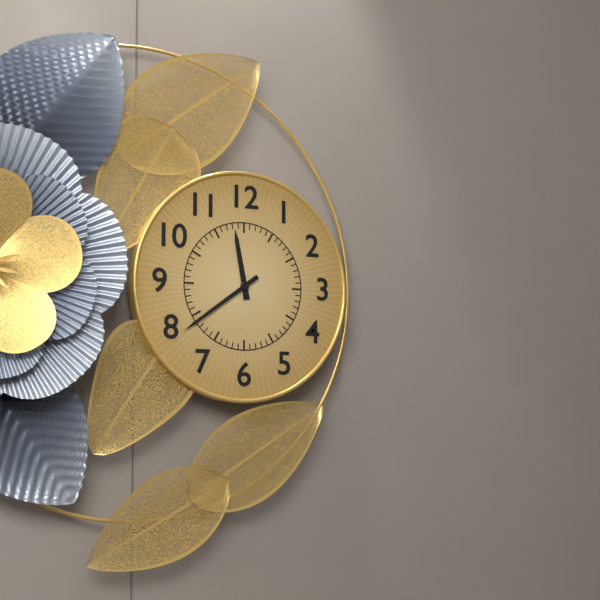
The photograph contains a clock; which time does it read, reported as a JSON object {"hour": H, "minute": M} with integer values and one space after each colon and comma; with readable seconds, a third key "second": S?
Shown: {"hour": 11, "minute": 39}
